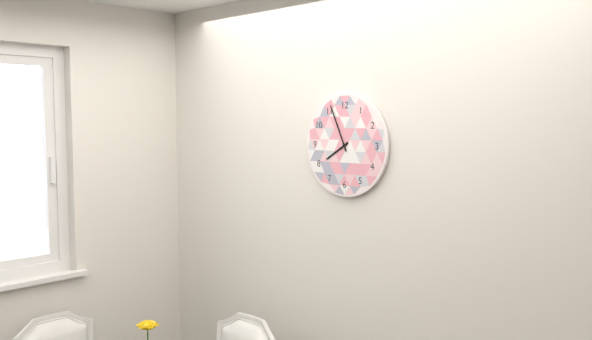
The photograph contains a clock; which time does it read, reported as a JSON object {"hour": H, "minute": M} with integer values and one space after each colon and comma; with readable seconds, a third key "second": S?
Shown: {"hour": 7, "minute": 56}
